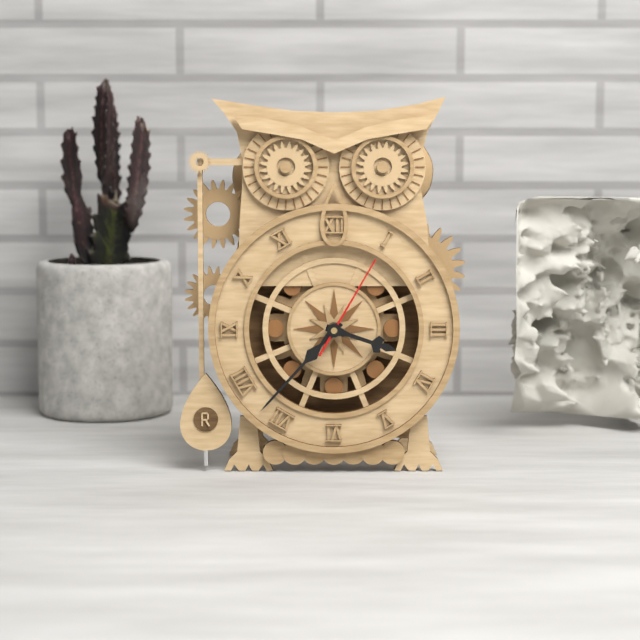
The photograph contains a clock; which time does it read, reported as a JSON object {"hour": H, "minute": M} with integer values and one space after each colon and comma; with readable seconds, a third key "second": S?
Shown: {"hour": 3, "minute": 37, "second": 5}
